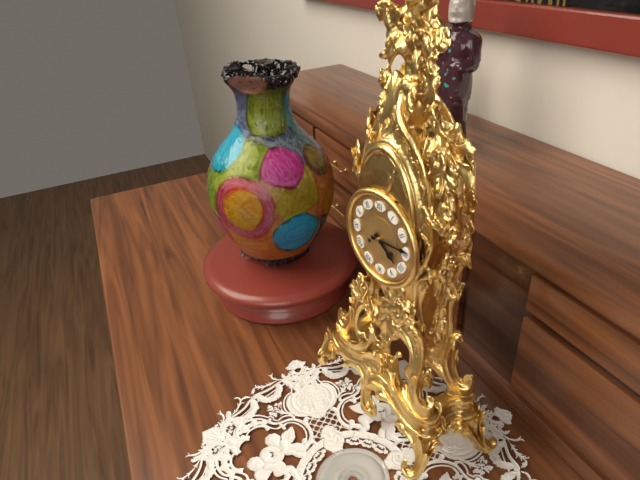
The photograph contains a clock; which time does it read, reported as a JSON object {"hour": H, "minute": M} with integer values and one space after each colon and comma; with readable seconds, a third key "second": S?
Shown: {"hour": 4, "minute": 14}
